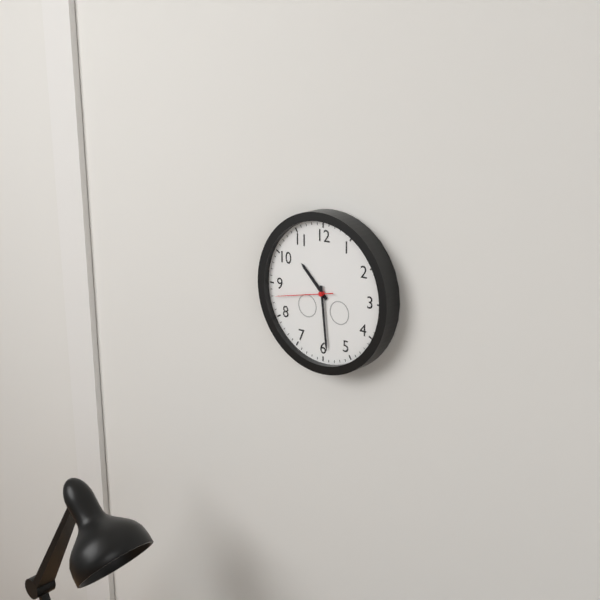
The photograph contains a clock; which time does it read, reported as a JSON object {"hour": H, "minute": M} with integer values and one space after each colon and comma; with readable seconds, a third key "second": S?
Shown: {"hour": 10, "minute": 29, "second": 43}
